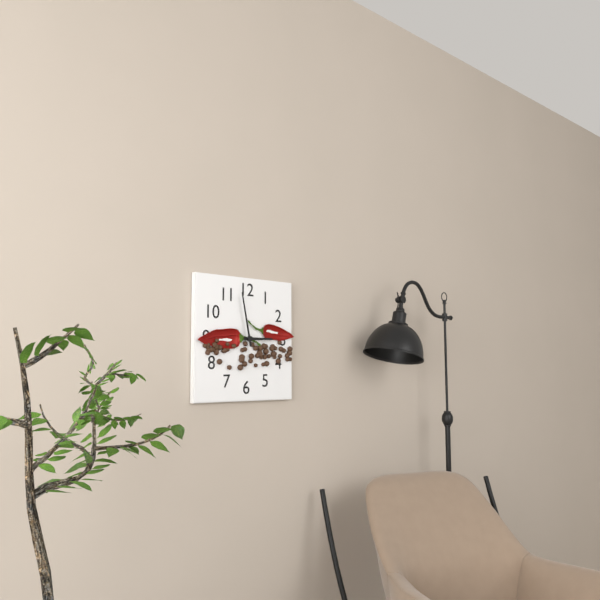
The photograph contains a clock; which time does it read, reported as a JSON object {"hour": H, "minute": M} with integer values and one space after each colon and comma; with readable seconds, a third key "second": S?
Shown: {"hour": 2, "minute": 58}
